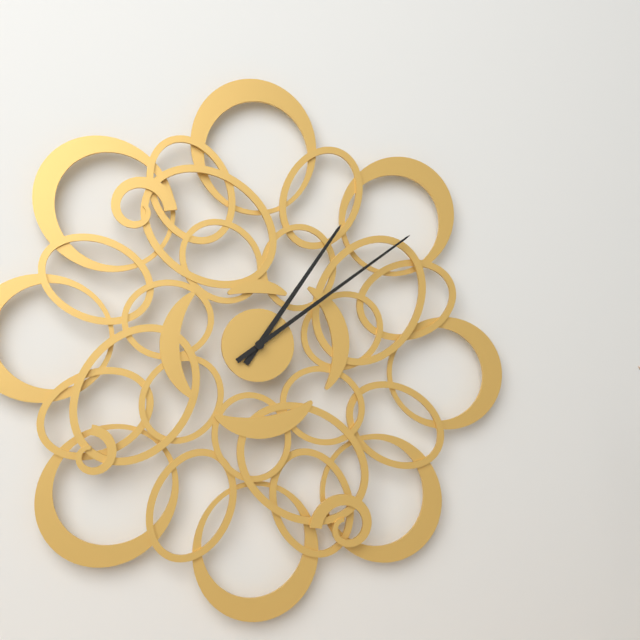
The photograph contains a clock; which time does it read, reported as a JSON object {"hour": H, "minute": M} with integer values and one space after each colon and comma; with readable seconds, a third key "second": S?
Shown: {"hour": 1, "minute": 9}
